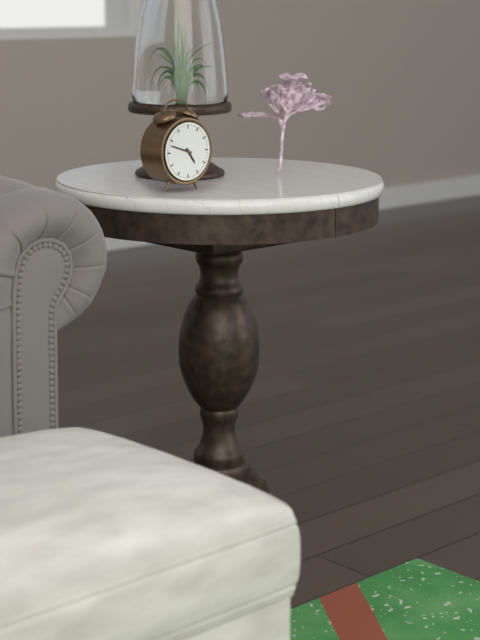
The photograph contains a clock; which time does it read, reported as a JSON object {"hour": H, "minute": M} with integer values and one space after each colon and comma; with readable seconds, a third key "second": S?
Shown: {"hour": 4, "minute": 48}
